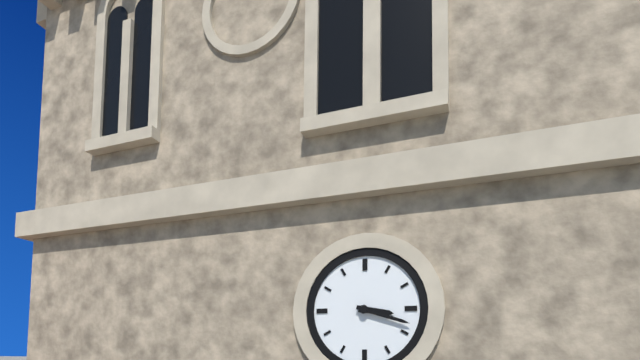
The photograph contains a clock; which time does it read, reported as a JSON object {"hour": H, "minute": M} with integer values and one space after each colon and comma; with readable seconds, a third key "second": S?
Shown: {"hour": 3, "minute": 18}
